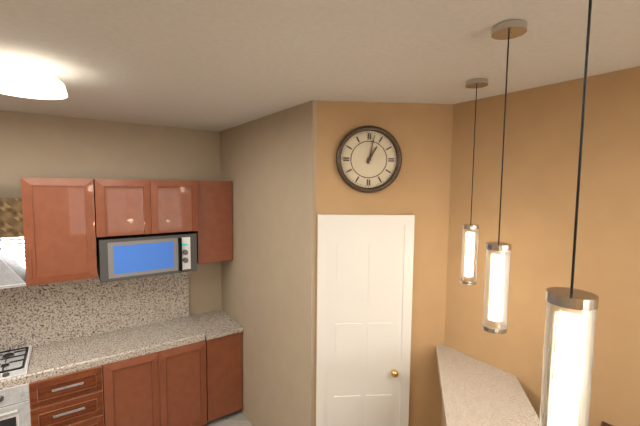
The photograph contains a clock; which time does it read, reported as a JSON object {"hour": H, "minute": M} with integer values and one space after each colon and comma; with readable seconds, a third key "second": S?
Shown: {"hour": 1, "minute": 2}
